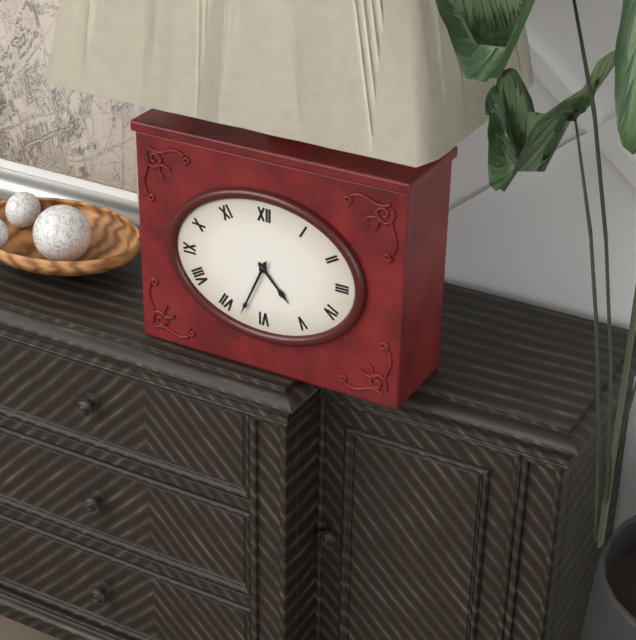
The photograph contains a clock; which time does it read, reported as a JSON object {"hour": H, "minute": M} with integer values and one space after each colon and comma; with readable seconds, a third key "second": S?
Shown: {"hour": 4, "minute": 34}
